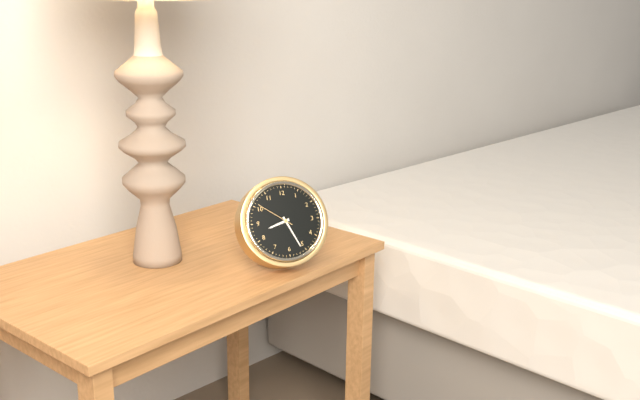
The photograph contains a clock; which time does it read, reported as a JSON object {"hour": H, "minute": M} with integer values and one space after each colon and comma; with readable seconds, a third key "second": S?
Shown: {"hour": 8, "minute": 26}
